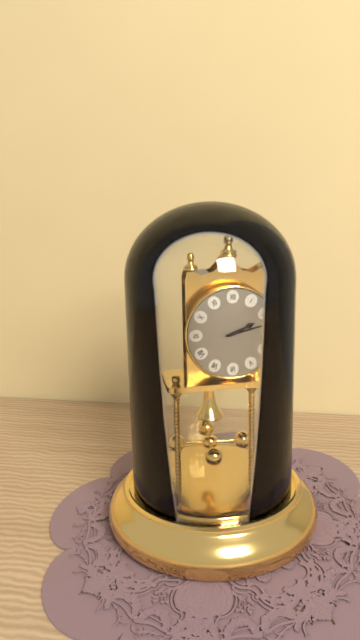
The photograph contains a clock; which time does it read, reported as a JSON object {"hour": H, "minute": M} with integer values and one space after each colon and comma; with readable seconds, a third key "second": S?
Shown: {"hour": 2, "minute": 13}
